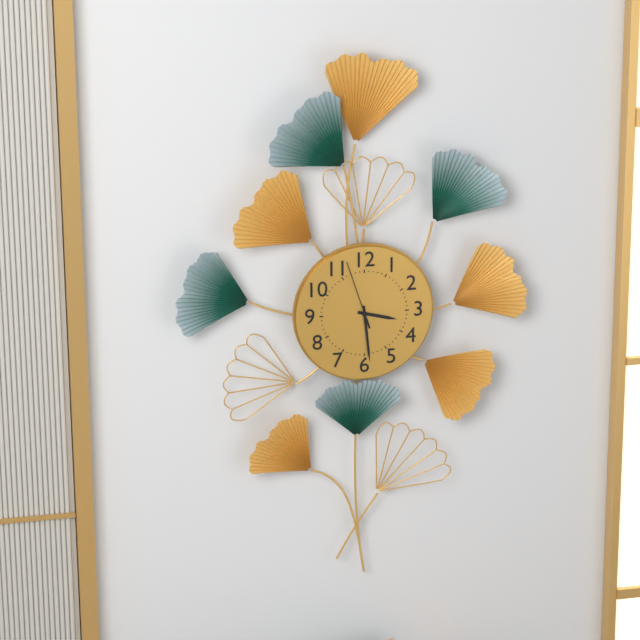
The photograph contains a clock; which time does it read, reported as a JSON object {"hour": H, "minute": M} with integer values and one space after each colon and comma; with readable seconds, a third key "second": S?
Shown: {"hour": 3, "minute": 29, "second": 57}
